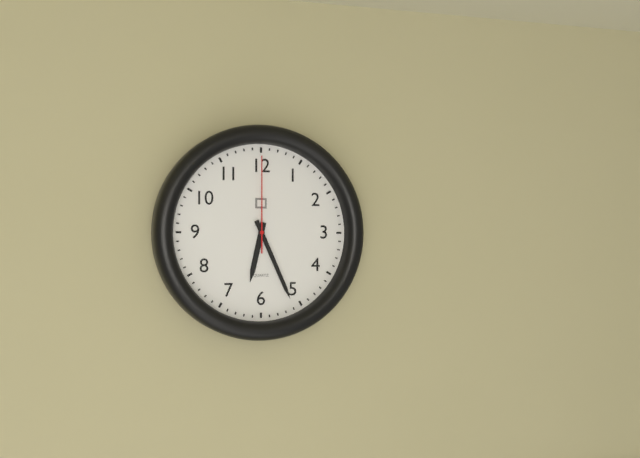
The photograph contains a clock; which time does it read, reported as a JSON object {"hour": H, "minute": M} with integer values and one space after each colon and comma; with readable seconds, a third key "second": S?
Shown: {"hour": 6, "minute": 26, "second": 0}
